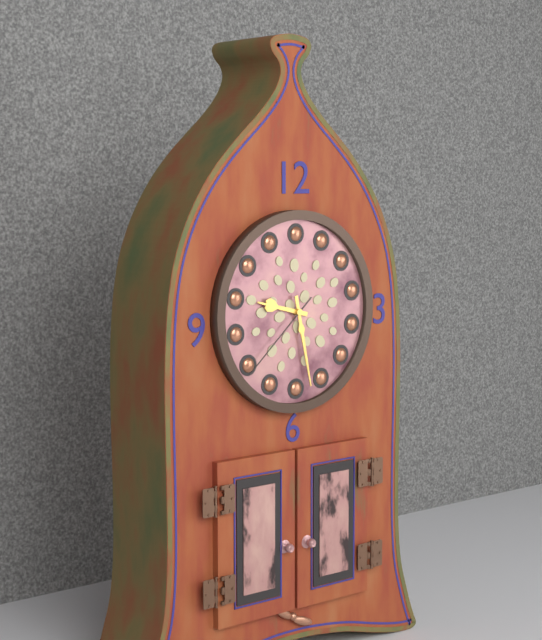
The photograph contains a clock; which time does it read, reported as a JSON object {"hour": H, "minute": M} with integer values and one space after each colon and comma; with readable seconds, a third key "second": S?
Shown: {"hour": 9, "minute": 28, "second": 38}
